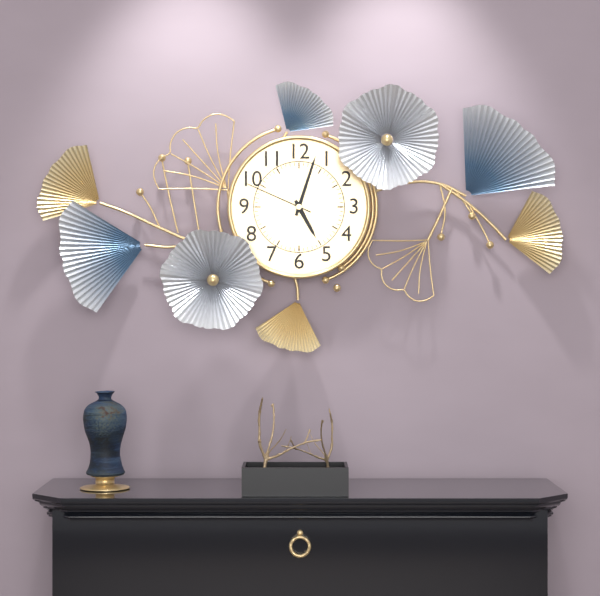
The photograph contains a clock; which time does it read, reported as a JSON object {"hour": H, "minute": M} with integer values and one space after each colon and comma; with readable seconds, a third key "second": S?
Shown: {"hour": 5, "minute": 3, "second": 49}
